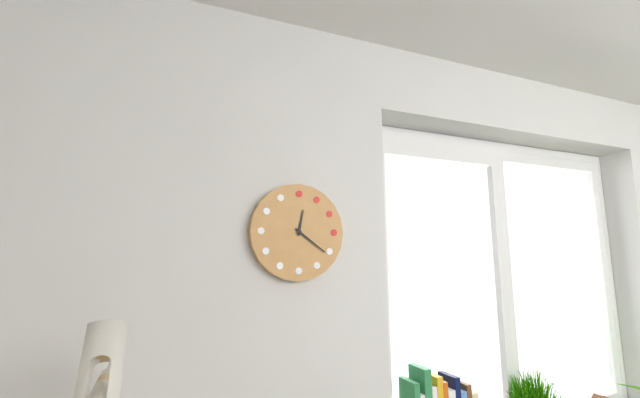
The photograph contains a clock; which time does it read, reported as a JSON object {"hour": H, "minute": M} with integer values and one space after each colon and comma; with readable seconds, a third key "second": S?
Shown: {"hour": 12, "minute": 21}
